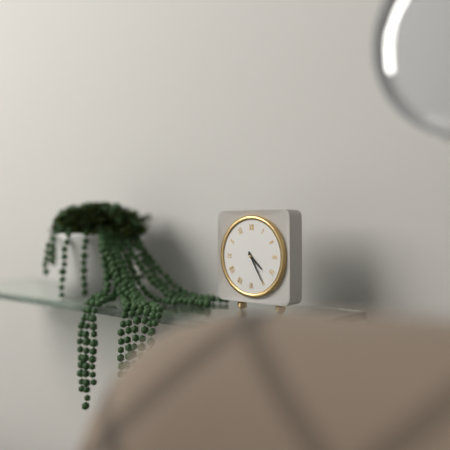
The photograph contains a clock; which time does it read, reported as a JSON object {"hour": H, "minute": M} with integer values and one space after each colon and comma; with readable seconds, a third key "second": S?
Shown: {"hour": 4, "minute": 25}
